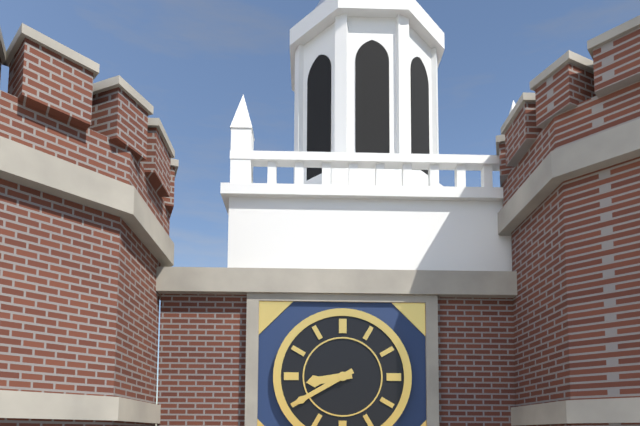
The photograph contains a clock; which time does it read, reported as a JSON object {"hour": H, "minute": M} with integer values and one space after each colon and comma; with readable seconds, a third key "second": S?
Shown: {"hour": 8, "minute": 40}
